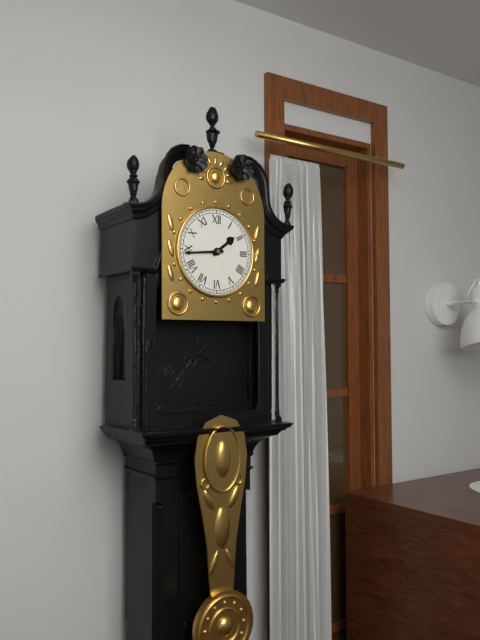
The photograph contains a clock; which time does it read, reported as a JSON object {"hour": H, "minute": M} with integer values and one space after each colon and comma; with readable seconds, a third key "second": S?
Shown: {"hour": 1, "minute": 44}
